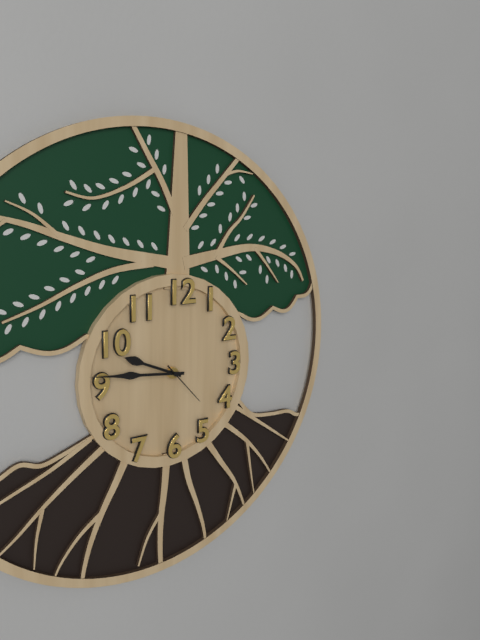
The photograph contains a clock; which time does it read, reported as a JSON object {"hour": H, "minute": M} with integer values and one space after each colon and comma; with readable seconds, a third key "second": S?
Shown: {"hour": 9, "minute": 46}
